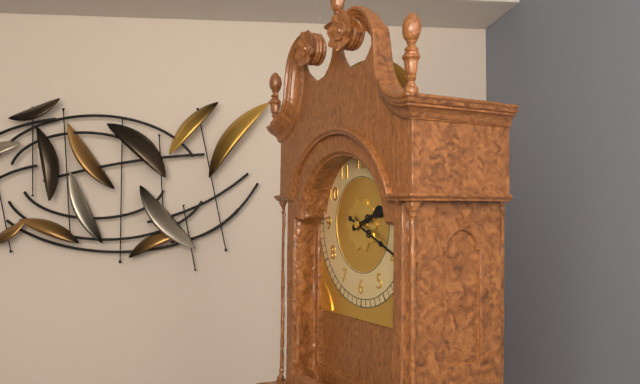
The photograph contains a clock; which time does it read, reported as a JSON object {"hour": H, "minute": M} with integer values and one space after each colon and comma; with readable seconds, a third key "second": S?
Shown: {"hour": 2, "minute": 19}
